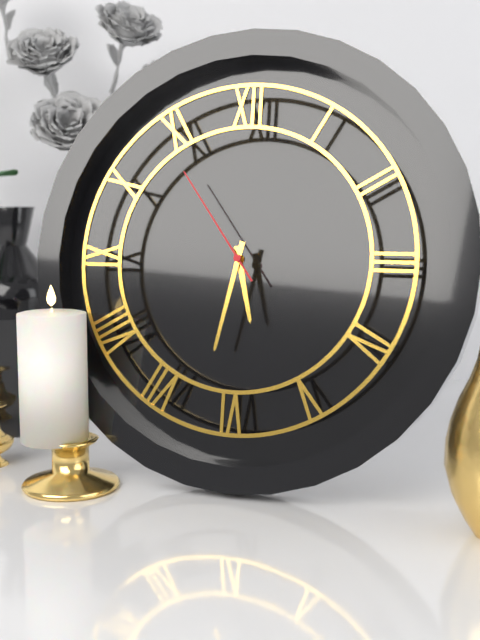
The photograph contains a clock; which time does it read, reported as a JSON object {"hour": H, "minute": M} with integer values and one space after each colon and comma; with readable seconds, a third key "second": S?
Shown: {"hour": 5, "minute": 32, "second": 54}
